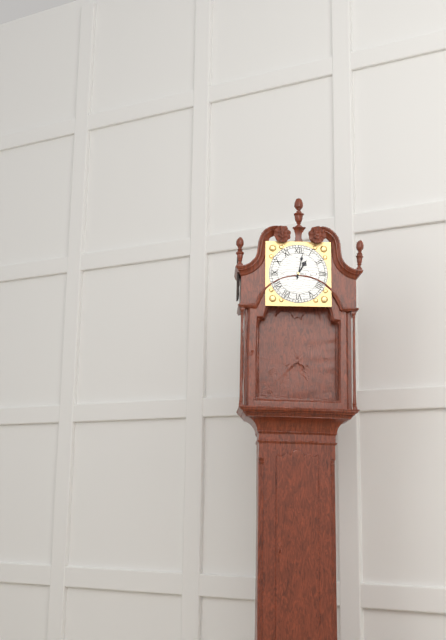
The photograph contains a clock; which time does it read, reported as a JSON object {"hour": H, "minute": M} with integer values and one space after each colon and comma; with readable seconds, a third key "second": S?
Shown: {"hour": 1, "minute": 2}
